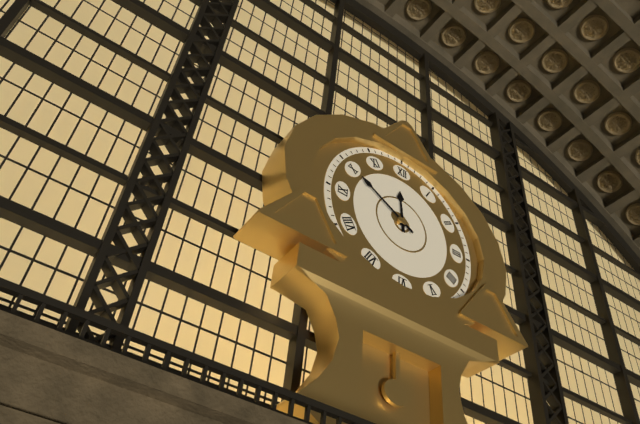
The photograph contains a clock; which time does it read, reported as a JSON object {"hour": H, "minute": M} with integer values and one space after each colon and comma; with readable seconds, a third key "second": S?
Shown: {"hour": 11, "minute": 50}
